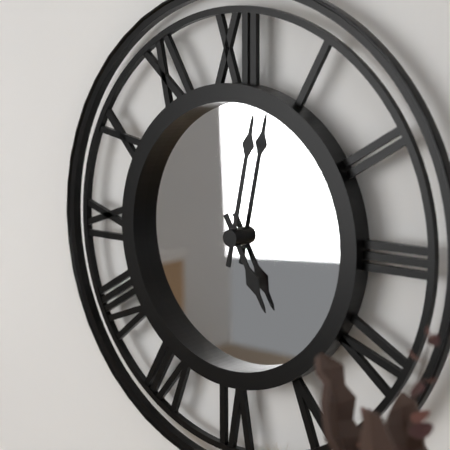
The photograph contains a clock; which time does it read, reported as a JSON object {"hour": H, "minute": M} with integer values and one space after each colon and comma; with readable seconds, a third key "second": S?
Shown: {"hour": 5, "minute": 2}
